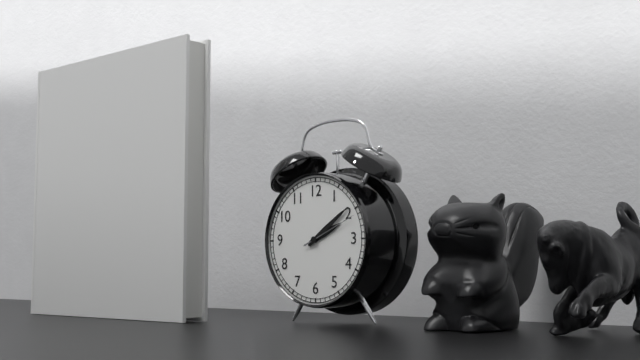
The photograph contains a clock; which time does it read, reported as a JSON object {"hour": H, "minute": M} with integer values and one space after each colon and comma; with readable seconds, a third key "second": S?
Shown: {"hour": 2, "minute": 9, "second": 11}
